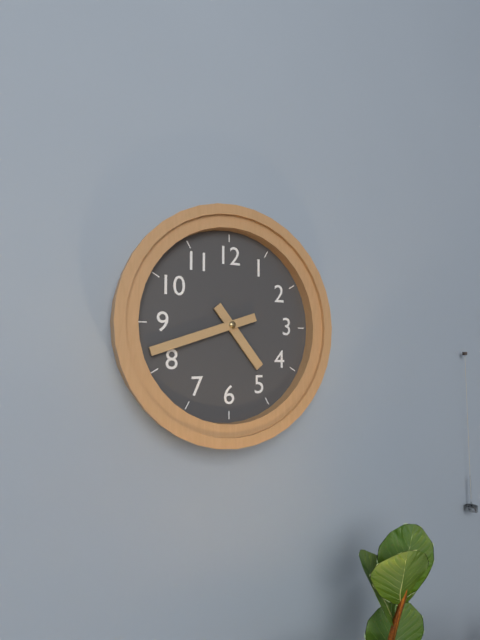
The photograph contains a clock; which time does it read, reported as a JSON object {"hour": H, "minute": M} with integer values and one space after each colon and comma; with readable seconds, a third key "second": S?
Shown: {"hour": 4, "minute": 42}
